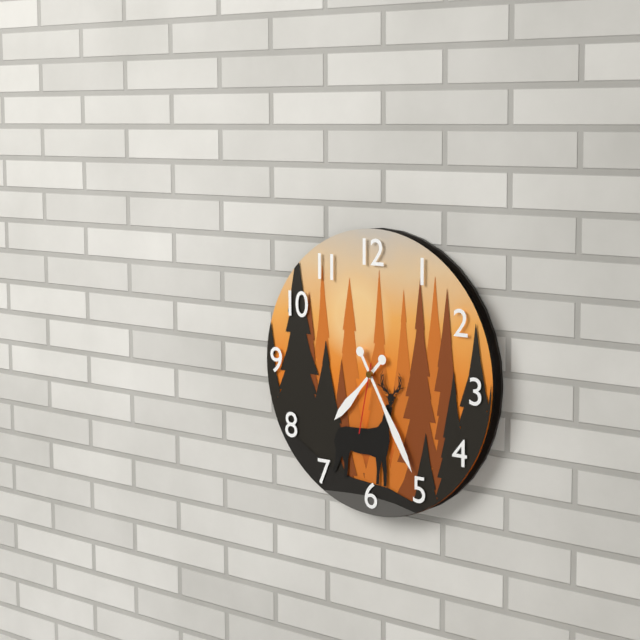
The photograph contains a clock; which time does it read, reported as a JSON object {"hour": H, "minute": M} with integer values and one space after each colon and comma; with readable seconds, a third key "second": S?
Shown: {"hour": 7, "minute": 25, "second": 32}
